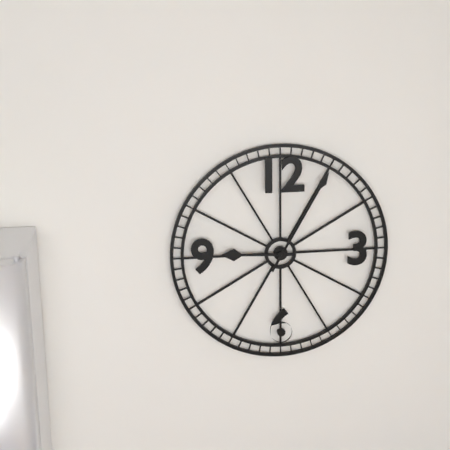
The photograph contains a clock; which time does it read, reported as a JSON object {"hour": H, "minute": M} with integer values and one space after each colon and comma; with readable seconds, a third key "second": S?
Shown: {"hour": 9, "minute": 5}
